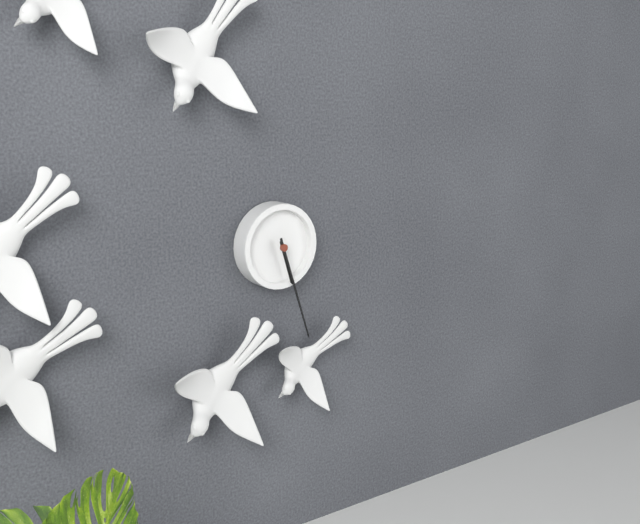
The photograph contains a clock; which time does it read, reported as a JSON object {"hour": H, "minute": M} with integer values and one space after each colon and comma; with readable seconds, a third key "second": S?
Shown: {"hour": 5, "minute": 27}
